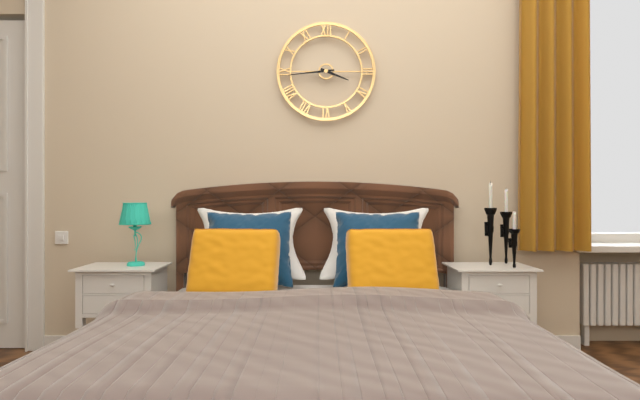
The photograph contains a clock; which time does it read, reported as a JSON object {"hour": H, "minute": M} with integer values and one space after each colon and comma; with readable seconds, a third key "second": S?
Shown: {"hour": 3, "minute": 44}
